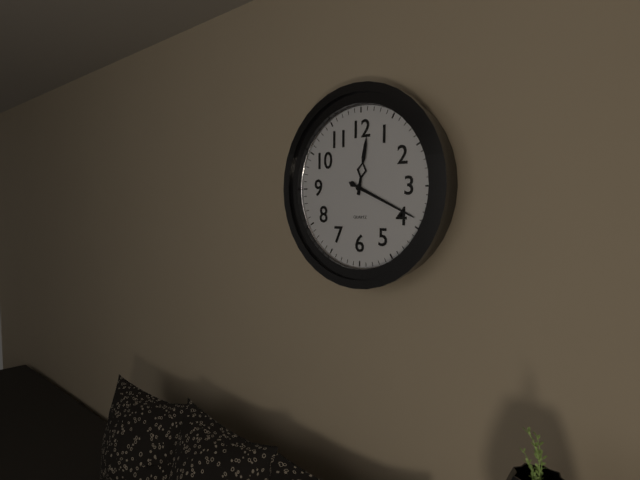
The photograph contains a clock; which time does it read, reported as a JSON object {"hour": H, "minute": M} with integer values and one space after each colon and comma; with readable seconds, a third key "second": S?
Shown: {"hour": 12, "minute": 19}
